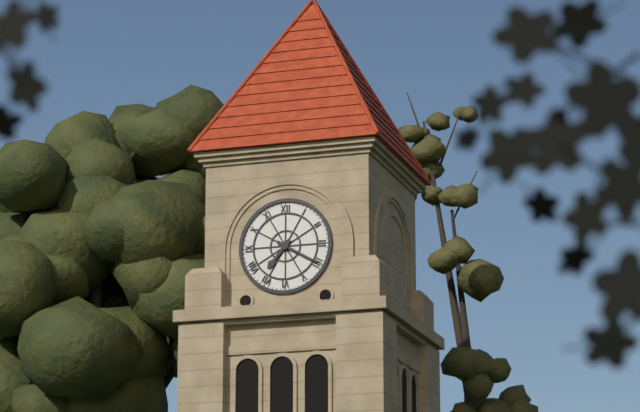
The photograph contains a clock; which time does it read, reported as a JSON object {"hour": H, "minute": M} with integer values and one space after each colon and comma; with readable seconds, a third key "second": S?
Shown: {"hour": 7, "minute": 20}
